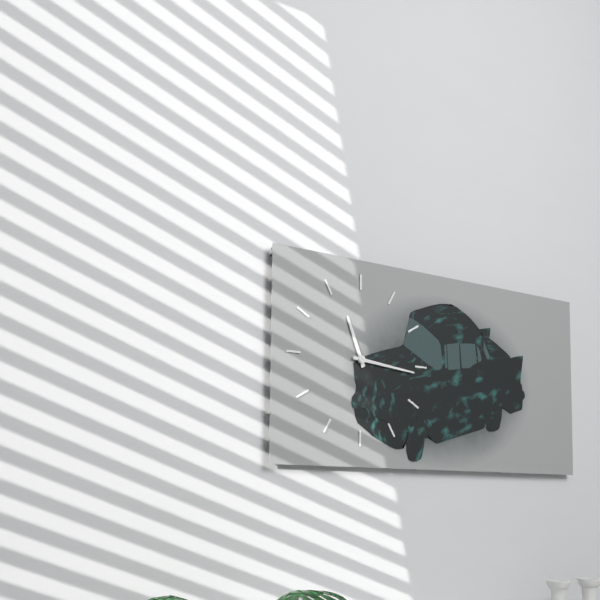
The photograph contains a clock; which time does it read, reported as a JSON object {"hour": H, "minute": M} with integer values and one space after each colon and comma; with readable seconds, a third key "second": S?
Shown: {"hour": 11, "minute": 16}
